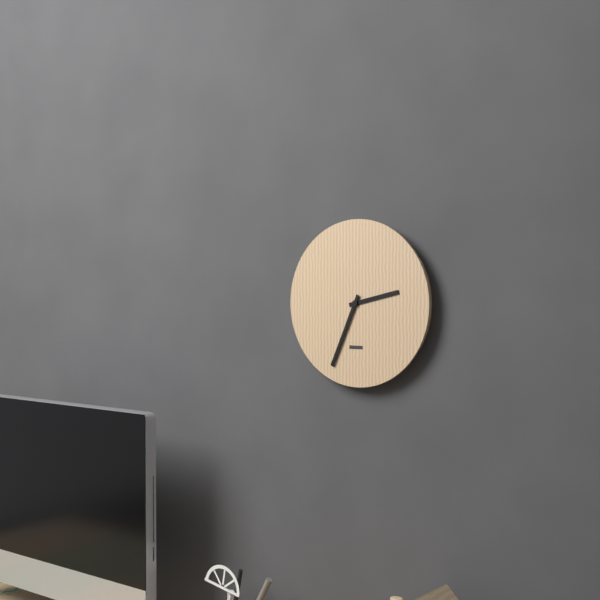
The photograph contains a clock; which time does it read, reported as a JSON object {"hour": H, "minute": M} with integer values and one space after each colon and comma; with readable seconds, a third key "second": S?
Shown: {"hour": 2, "minute": 34}
